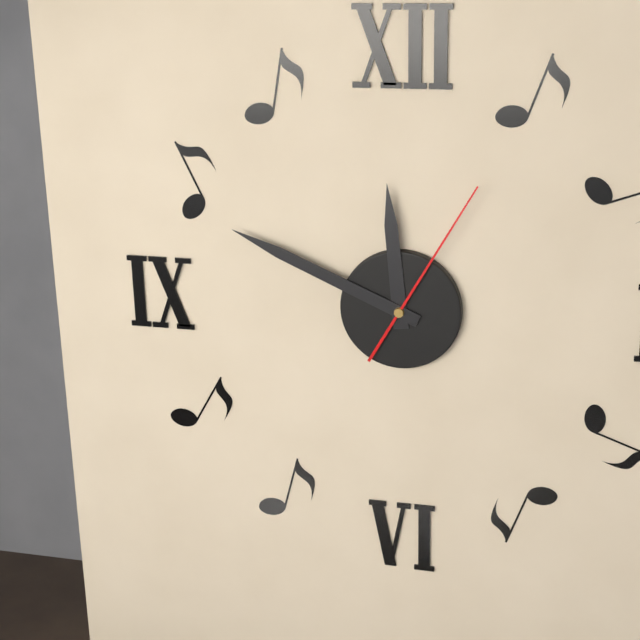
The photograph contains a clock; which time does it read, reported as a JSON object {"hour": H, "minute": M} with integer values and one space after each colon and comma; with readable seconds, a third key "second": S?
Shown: {"hour": 11, "minute": 49, "second": 5}
